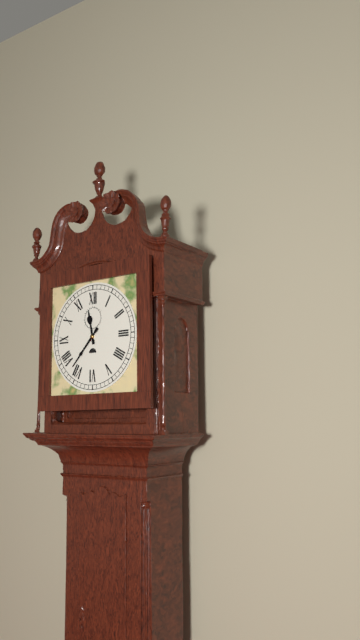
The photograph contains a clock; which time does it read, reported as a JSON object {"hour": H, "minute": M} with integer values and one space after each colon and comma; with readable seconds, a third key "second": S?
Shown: {"hour": 11, "minute": 37}
